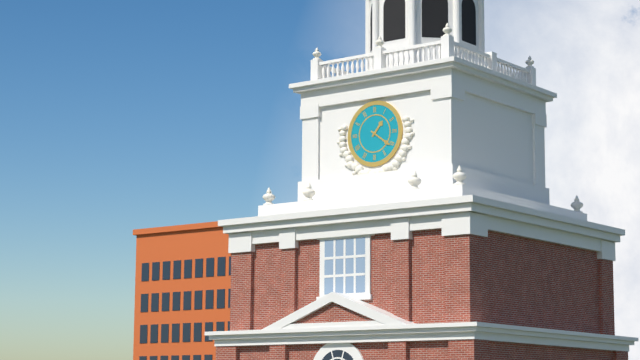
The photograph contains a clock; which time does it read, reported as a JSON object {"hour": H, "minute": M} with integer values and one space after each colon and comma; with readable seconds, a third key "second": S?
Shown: {"hour": 1, "minute": 21}
